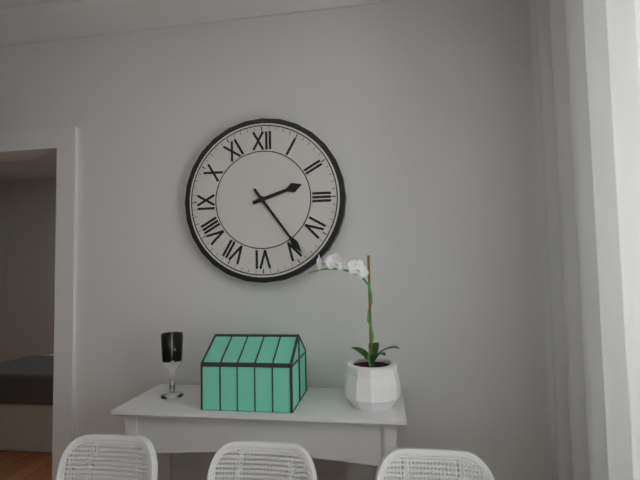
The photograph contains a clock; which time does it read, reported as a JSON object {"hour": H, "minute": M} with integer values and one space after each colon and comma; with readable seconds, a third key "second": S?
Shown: {"hour": 2, "minute": 24}
